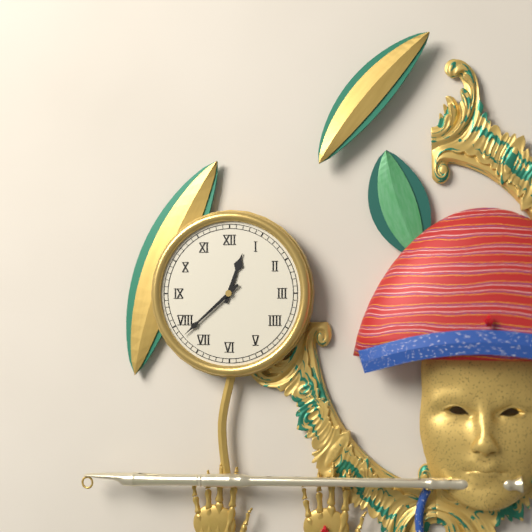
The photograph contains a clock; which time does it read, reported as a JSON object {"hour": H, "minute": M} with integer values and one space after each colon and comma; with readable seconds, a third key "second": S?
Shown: {"hour": 12, "minute": 38}
